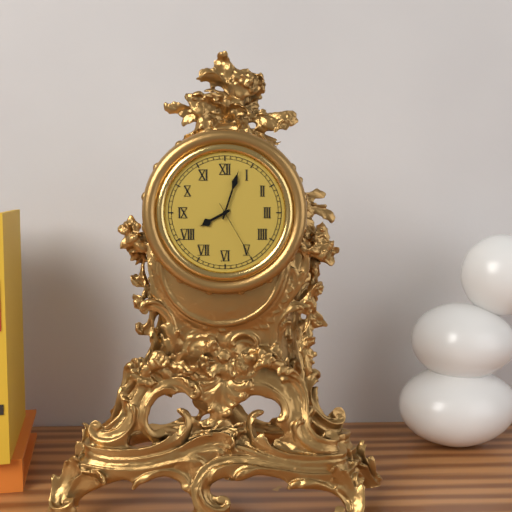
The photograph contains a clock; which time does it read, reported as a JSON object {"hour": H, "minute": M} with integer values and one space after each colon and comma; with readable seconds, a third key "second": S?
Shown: {"hour": 8, "minute": 3, "second": 25}
